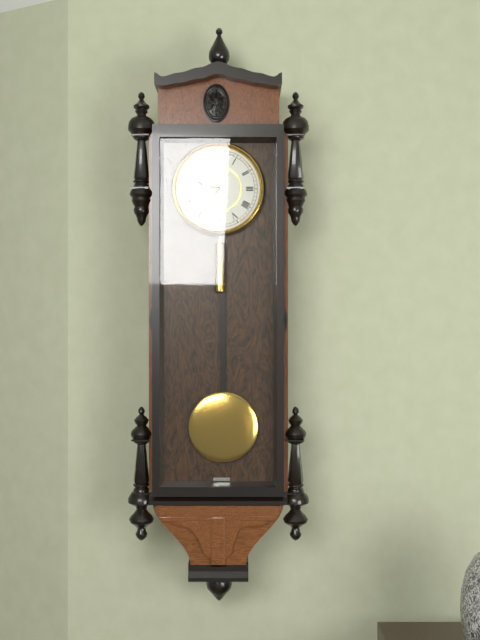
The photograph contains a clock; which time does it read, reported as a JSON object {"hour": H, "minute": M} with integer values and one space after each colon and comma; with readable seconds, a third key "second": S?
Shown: {"hour": 9, "minute": 36}
